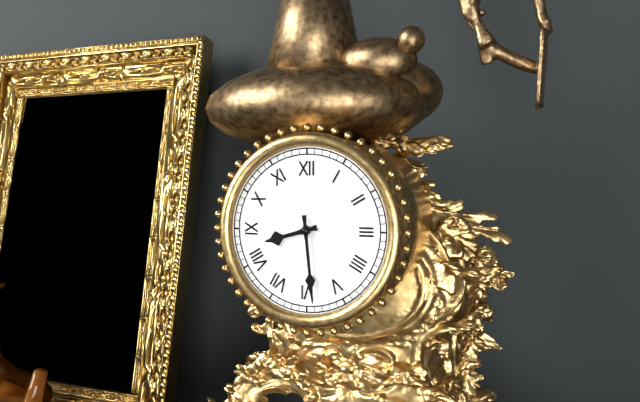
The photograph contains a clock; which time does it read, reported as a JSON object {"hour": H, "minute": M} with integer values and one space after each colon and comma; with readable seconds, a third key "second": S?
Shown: {"hour": 8, "minute": 29}
